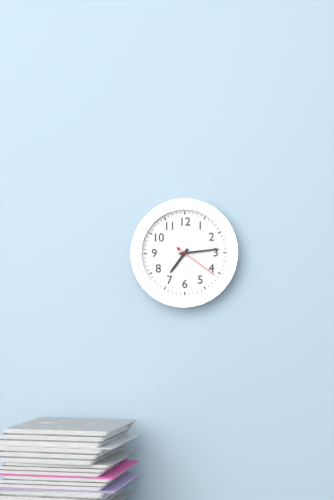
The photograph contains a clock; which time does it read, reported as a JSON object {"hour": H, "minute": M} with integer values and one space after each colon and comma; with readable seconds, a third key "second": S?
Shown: {"hour": 7, "minute": 14}
